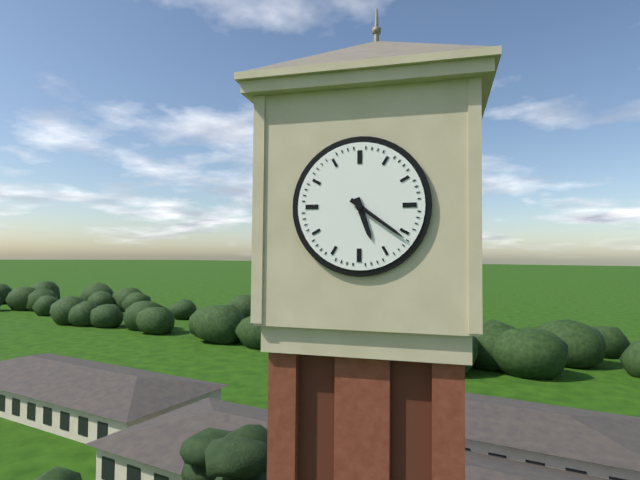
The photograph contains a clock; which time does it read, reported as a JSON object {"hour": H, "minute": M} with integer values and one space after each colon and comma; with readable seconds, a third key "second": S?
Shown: {"hour": 5, "minute": 21}
